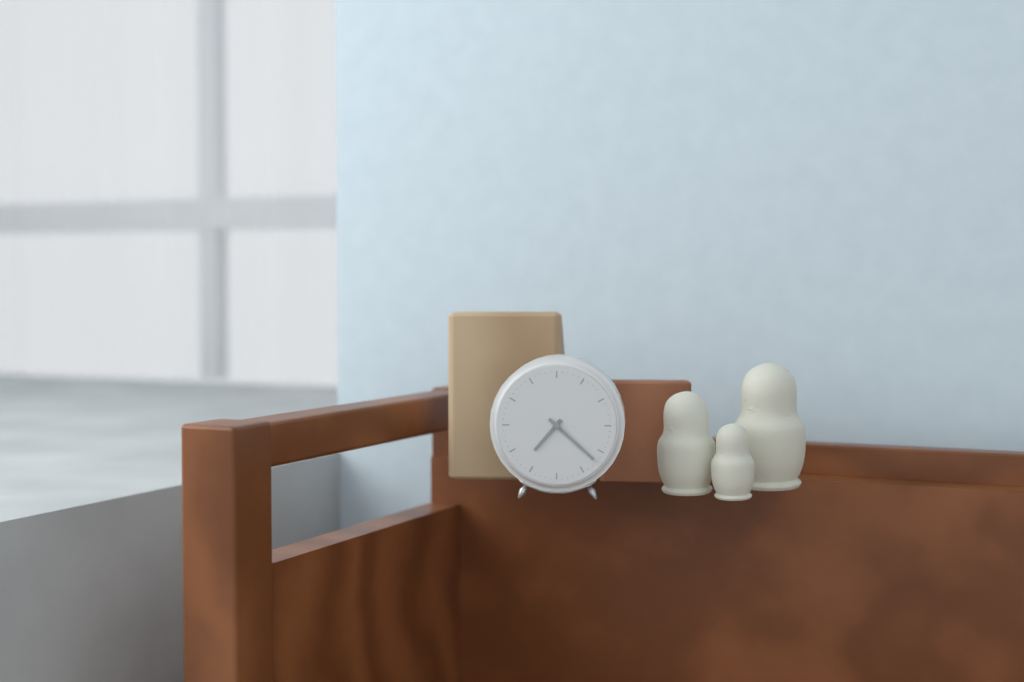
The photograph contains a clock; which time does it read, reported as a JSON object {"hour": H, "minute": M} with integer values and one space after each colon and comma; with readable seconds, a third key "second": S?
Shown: {"hour": 7, "minute": 22}
